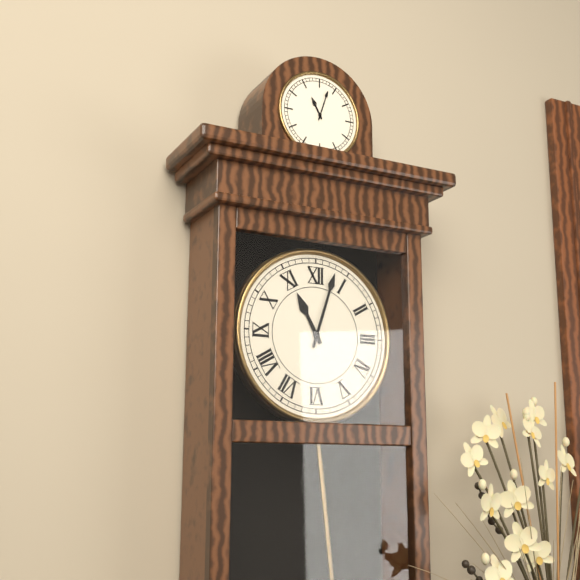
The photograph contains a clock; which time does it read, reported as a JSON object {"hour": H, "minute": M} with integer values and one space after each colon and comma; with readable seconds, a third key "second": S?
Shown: {"hour": 11, "minute": 3}
